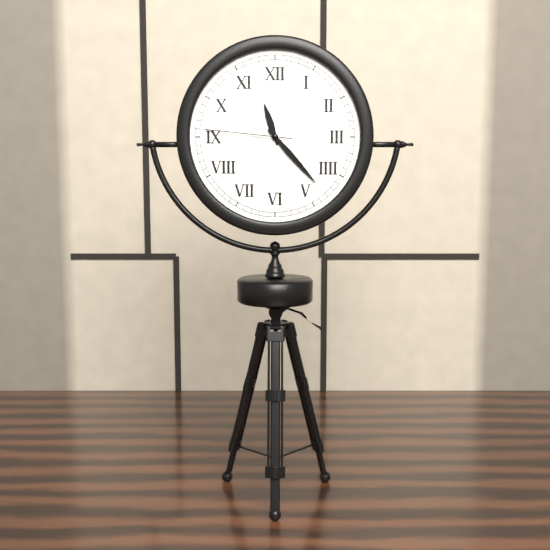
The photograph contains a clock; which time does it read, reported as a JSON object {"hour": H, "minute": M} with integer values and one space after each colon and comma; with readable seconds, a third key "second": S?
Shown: {"hour": 11, "minute": 23, "second": 46}
